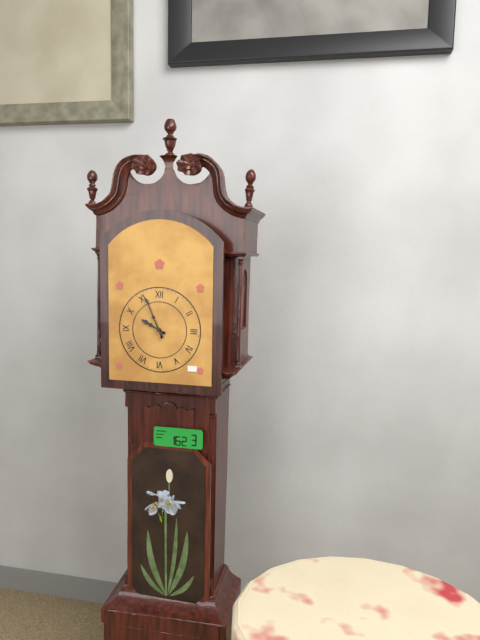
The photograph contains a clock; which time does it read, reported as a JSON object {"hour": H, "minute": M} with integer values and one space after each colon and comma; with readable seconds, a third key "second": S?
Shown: {"hour": 9, "minute": 56}
